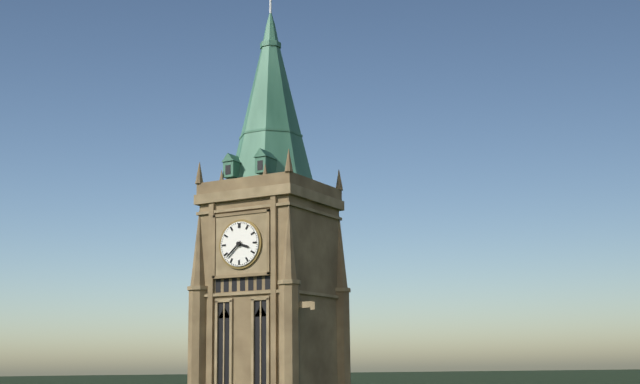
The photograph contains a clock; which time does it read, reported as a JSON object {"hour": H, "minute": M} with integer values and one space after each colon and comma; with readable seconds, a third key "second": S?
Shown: {"hour": 3, "minute": 38}
